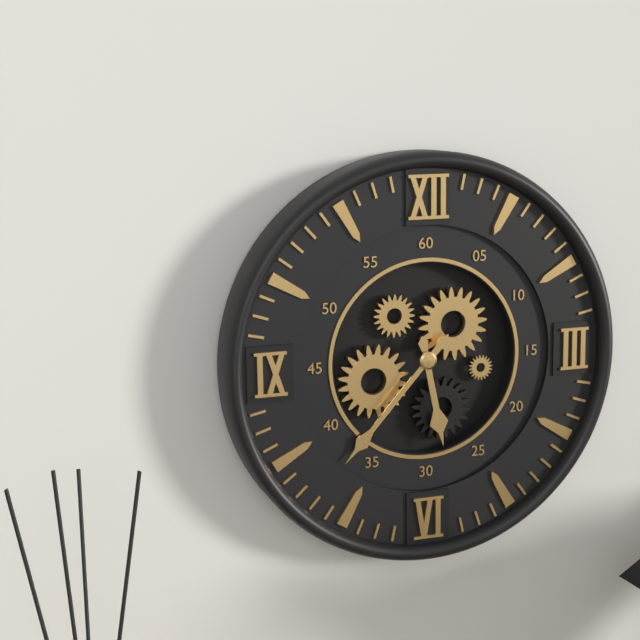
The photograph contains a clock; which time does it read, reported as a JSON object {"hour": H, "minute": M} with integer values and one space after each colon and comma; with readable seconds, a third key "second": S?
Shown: {"hour": 5, "minute": 37}
